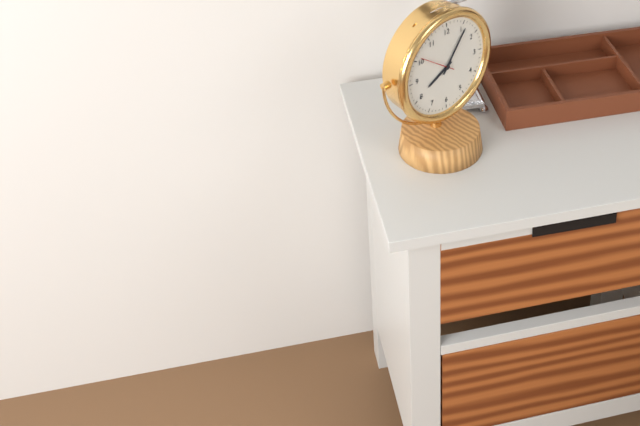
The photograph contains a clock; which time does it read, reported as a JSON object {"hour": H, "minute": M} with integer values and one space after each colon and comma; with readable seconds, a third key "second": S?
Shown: {"hour": 8, "minute": 6}
